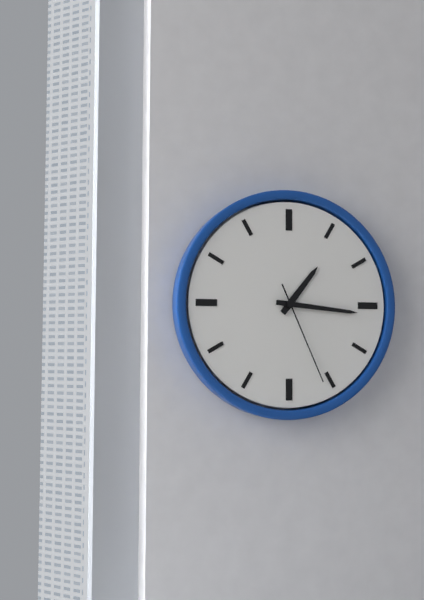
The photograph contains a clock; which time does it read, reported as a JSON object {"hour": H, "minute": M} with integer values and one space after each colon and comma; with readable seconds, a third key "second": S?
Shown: {"hour": 1, "minute": 16, "second": 26}
